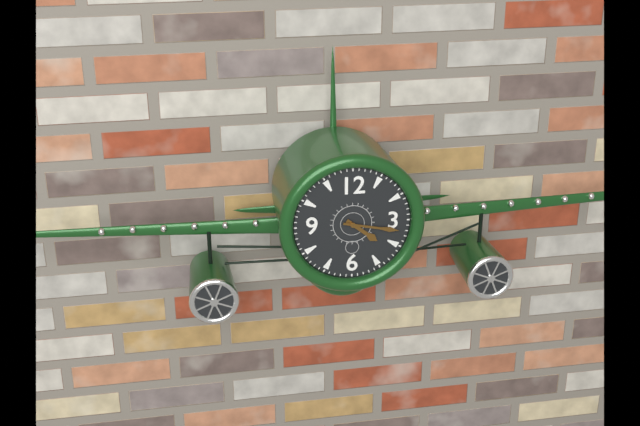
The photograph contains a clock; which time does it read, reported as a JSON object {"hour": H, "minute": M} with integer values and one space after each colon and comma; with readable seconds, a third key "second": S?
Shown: {"hour": 4, "minute": 17}
